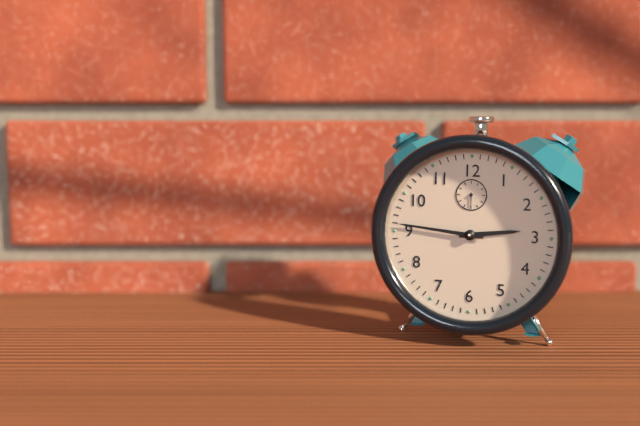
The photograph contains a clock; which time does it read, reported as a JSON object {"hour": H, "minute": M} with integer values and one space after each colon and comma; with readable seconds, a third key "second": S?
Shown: {"hour": 2, "minute": 46}
